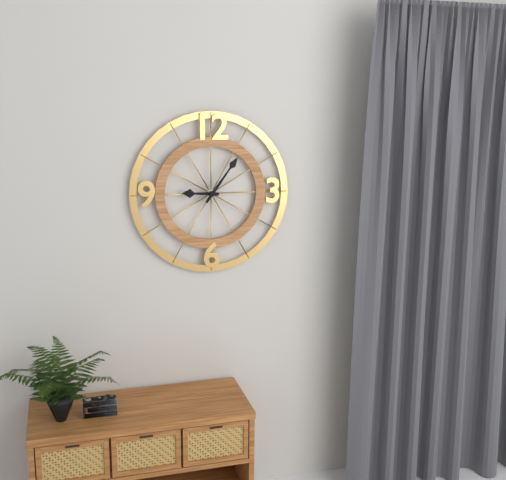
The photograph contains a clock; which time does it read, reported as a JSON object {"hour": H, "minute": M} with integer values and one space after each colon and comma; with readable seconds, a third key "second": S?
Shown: {"hour": 9, "minute": 6}
